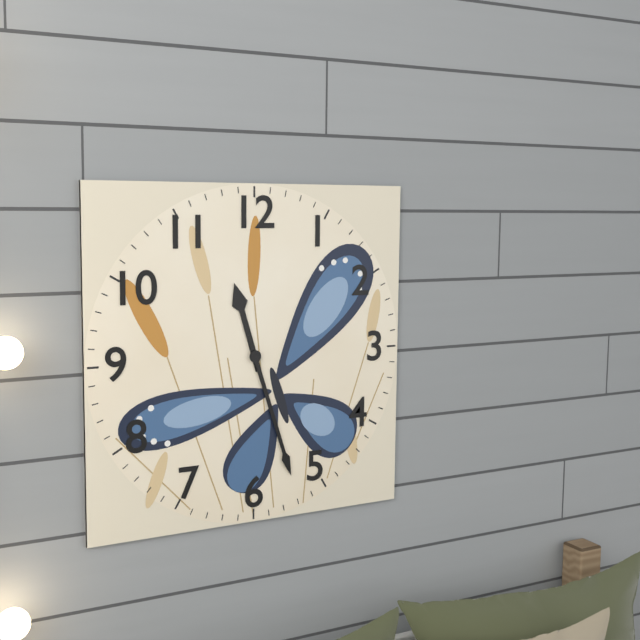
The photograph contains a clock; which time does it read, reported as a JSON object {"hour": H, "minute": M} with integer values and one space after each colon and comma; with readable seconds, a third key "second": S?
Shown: {"hour": 11, "minute": 27}
